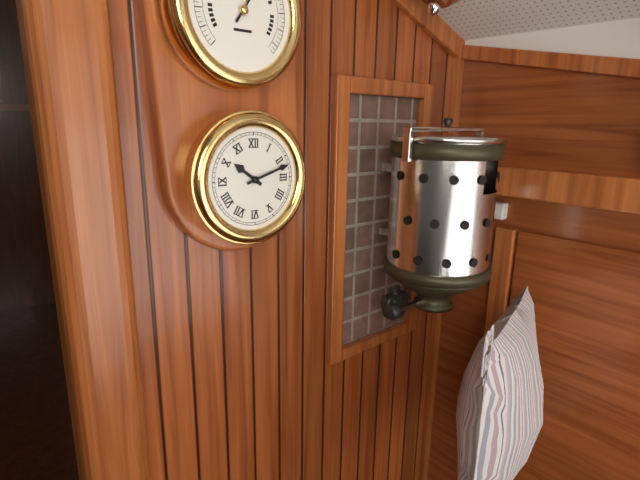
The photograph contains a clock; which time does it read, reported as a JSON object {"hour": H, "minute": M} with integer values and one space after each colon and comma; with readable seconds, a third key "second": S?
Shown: {"hour": 10, "minute": 12}
